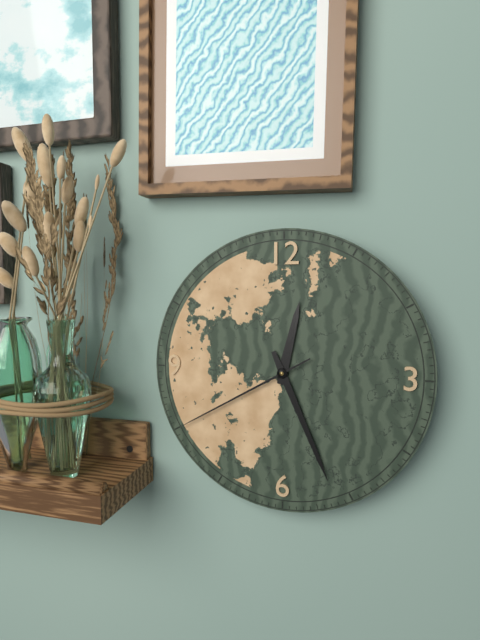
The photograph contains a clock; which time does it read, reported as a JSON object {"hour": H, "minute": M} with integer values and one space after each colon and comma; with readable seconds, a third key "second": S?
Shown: {"hour": 12, "minute": 26, "second": 40}
